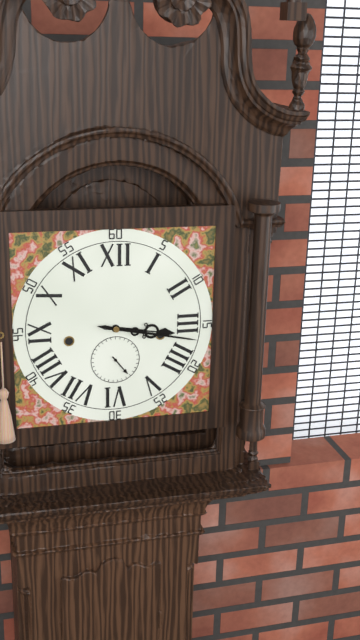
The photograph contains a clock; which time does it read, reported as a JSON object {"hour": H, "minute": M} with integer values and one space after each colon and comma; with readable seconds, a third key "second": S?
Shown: {"hour": 3, "minute": 17}
